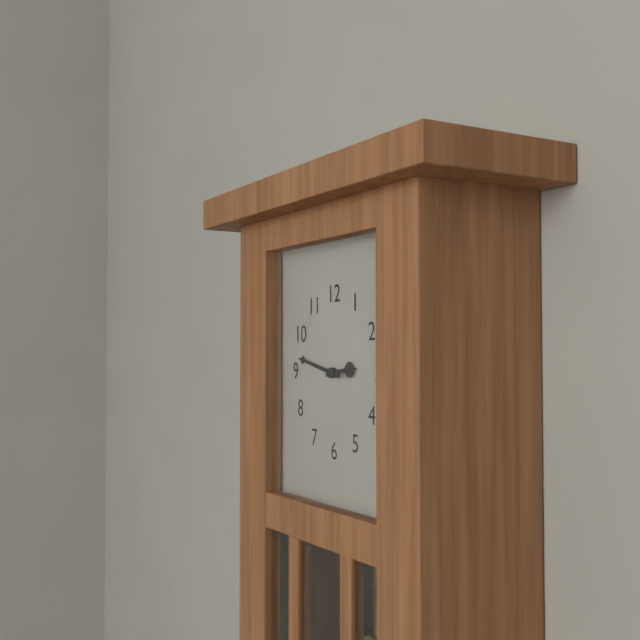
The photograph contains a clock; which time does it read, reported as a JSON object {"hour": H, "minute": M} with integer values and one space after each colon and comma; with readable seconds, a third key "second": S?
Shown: {"hour": 2, "minute": 47}
